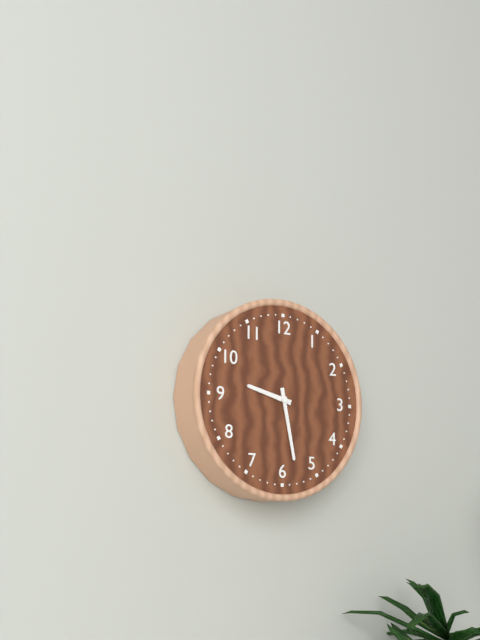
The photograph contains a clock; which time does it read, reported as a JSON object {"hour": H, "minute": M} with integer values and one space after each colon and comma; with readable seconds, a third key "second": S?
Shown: {"hour": 9, "minute": 28}
